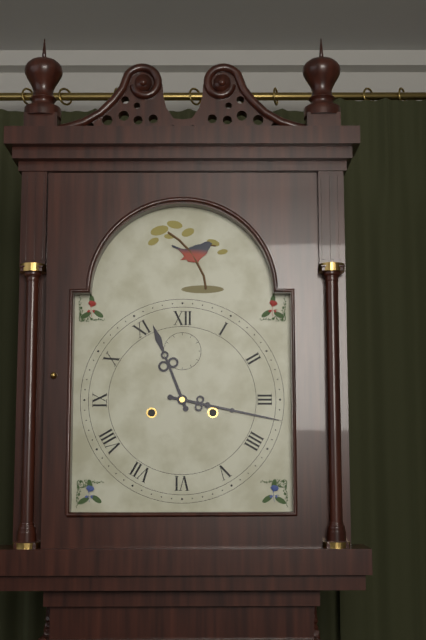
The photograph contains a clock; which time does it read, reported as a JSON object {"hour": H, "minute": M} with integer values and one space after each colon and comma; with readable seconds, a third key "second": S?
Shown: {"hour": 11, "minute": 17}
